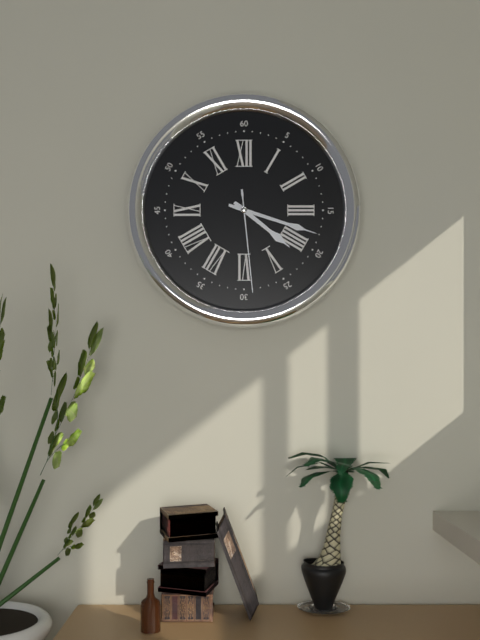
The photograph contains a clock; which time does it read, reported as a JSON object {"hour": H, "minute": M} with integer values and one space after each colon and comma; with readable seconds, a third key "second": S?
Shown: {"hour": 4, "minute": 18, "second": 29}
